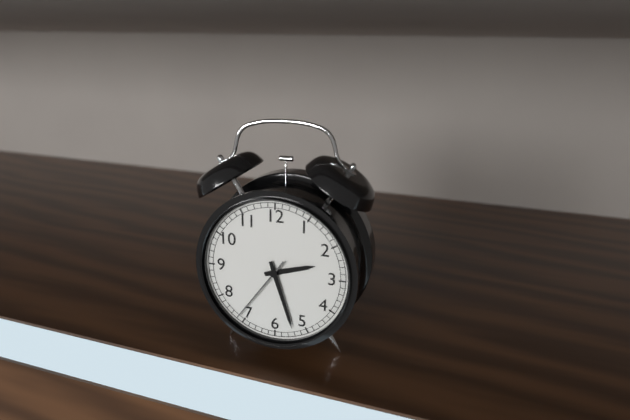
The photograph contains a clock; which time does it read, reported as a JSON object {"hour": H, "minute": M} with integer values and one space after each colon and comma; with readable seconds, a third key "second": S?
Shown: {"hour": 2, "minute": 27, "second": 36}
